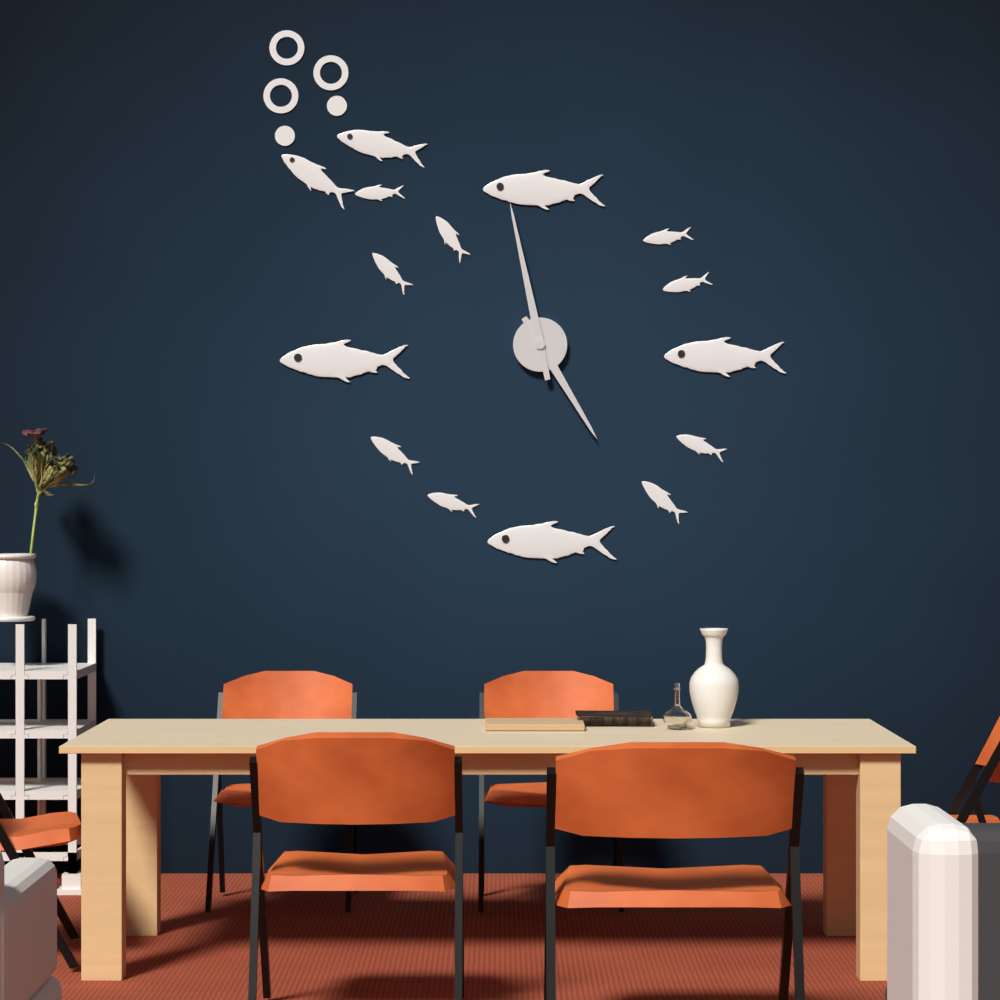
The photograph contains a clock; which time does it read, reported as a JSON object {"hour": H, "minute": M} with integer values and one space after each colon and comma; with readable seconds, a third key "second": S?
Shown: {"hour": 4, "minute": 58}
